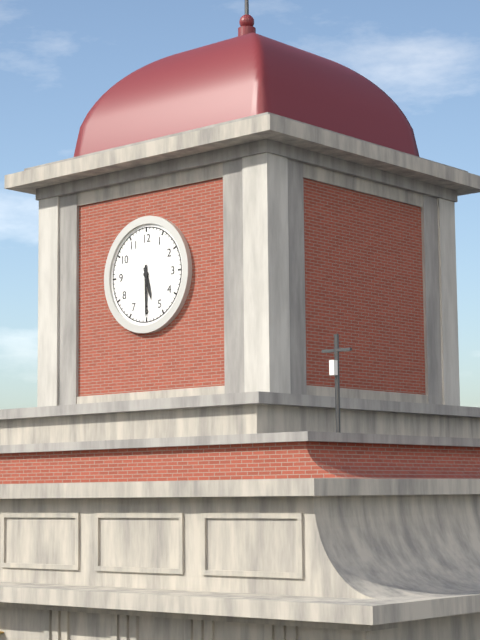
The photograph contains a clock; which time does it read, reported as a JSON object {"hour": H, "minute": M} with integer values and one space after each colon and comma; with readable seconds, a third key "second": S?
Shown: {"hour": 5, "minute": 30}
